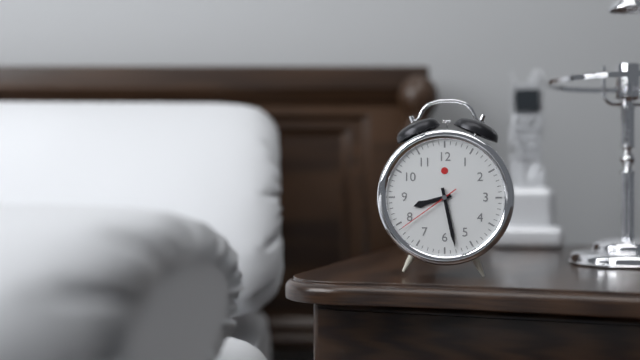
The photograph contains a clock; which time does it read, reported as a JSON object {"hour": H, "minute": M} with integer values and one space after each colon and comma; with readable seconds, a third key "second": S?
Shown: {"hour": 8, "minute": 28, "second": 39}
